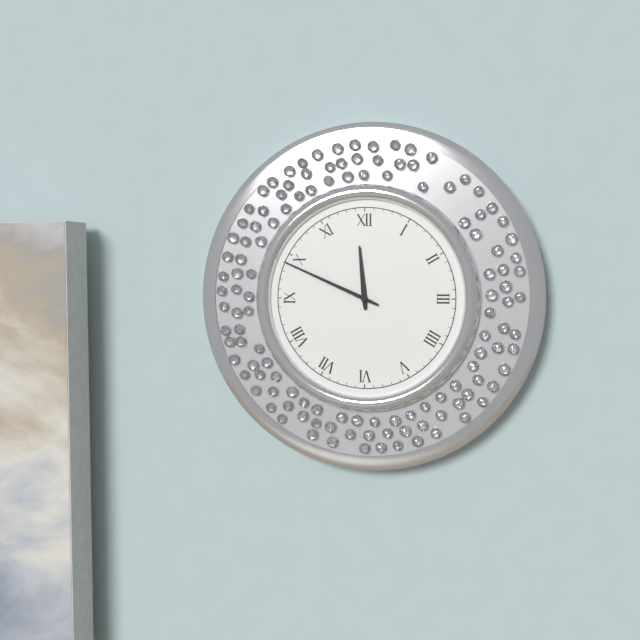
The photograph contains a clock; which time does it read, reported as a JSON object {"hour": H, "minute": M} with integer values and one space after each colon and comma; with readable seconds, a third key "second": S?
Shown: {"hour": 11, "minute": 49}
